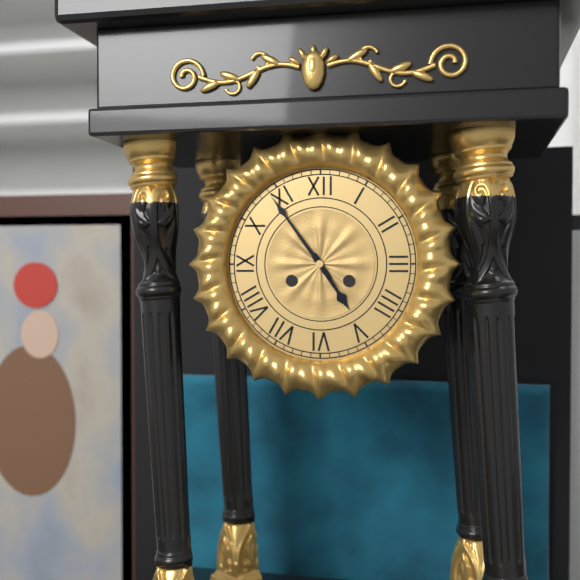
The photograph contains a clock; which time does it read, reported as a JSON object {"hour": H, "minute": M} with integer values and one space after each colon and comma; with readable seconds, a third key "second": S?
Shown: {"hour": 4, "minute": 54}
